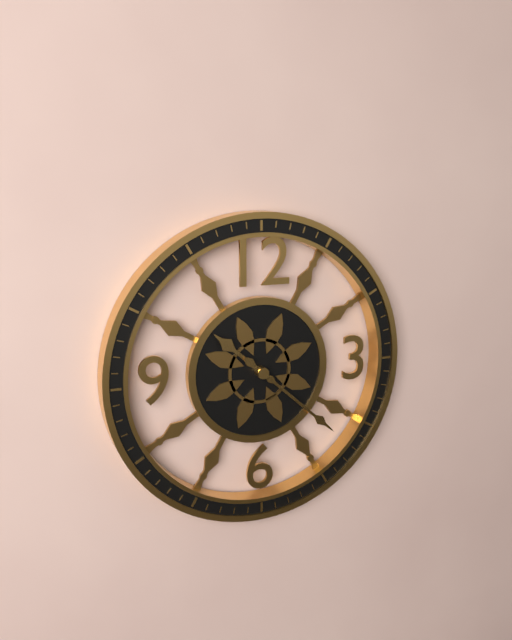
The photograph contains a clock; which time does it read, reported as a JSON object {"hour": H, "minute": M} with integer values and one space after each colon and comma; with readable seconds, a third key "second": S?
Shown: {"hour": 10, "minute": 22}
